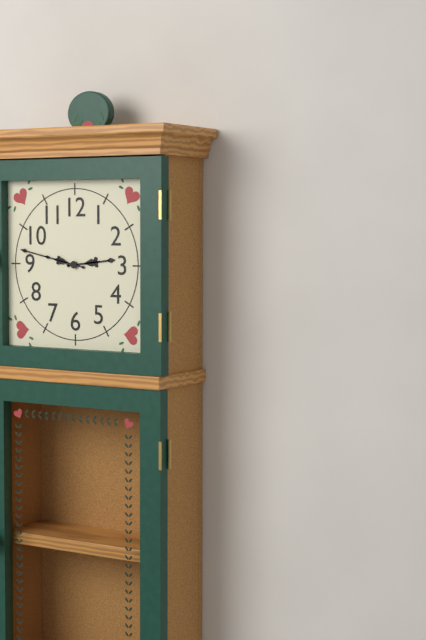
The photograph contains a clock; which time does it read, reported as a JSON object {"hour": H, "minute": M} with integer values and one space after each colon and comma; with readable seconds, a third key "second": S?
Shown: {"hour": 2, "minute": 47}
